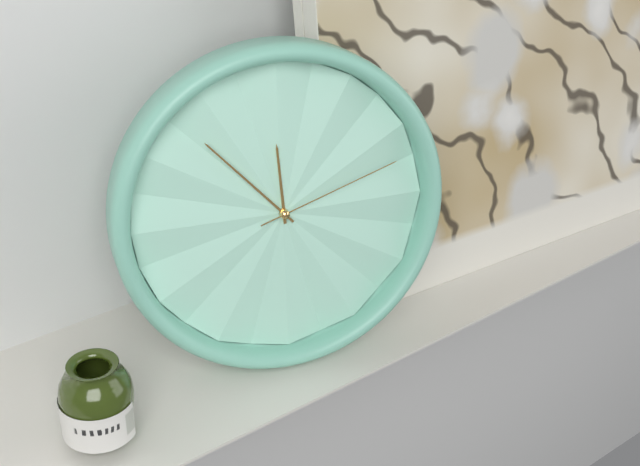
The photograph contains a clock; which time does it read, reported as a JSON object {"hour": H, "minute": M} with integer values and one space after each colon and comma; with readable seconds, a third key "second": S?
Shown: {"hour": 11, "minute": 53, "second": 12}
